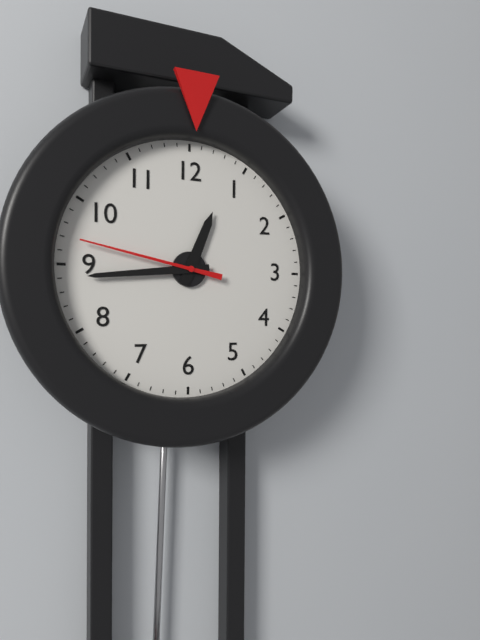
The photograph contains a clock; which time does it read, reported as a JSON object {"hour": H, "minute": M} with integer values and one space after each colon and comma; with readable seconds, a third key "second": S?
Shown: {"hour": 12, "minute": 44, "second": 47}
